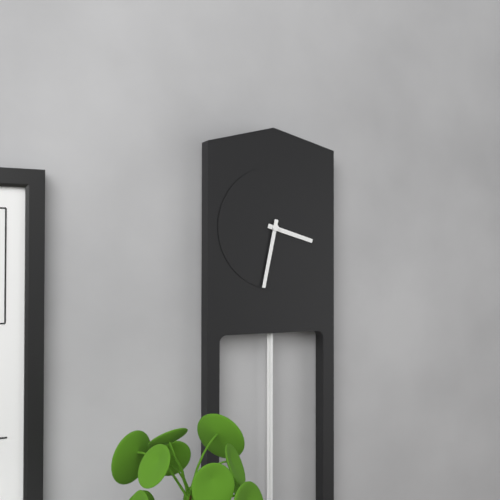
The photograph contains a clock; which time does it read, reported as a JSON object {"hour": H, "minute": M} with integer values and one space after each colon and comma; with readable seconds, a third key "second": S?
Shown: {"hour": 3, "minute": 32}
